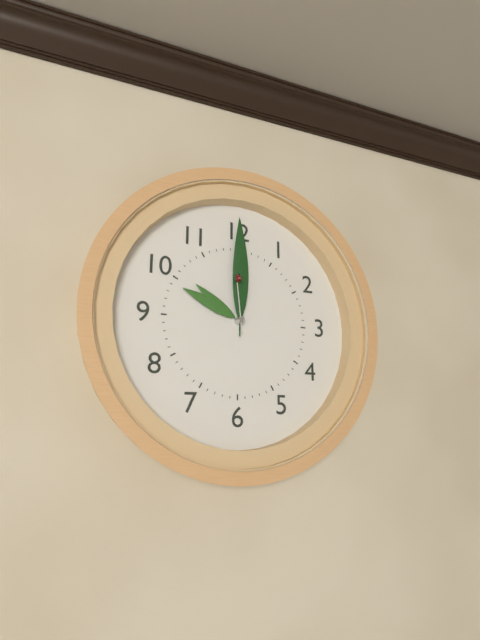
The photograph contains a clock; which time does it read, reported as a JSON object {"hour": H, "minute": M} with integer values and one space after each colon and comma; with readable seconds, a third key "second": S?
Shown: {"hour": 10, "minute": 0, "second": 59}
